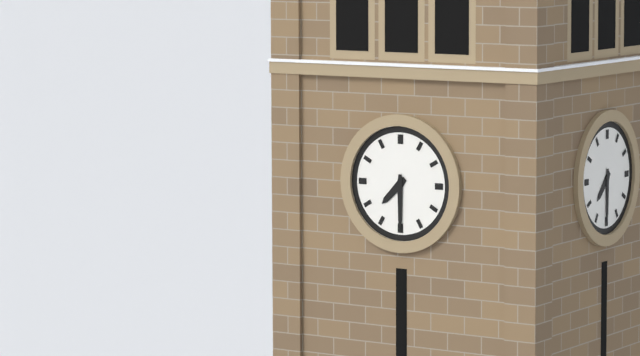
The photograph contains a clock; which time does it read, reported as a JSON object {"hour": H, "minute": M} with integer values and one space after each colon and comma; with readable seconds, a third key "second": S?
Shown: {"hour": 7, "minute": 30}
